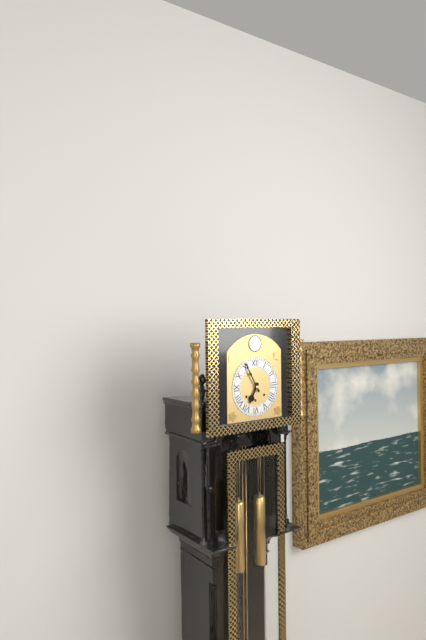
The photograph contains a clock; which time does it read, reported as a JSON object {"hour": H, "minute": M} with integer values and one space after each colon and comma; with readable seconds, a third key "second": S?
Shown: {"hour": 6, "minute": 55}
